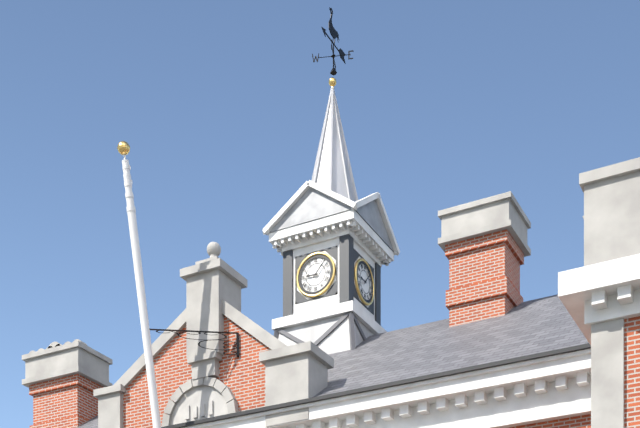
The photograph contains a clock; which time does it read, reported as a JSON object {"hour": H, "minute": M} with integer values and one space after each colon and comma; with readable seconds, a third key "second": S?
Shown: {"hour": 9, "minute": 7}
